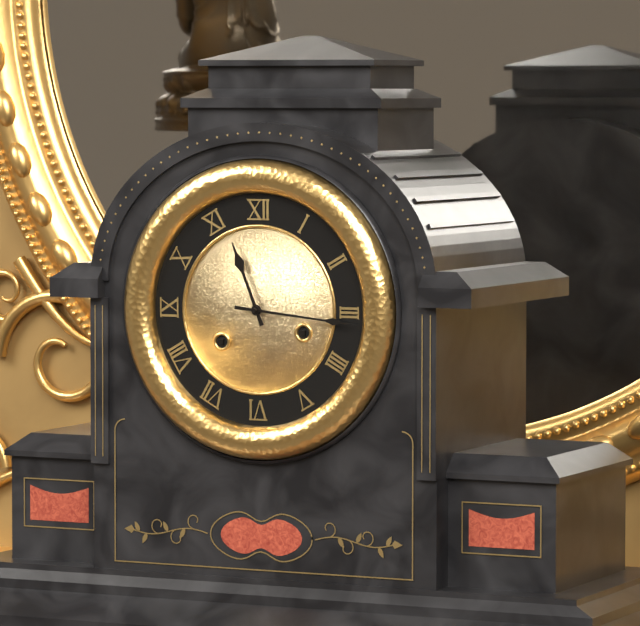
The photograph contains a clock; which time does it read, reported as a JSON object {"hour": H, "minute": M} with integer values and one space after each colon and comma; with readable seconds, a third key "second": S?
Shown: {"hour": 11, "minute": 16}
